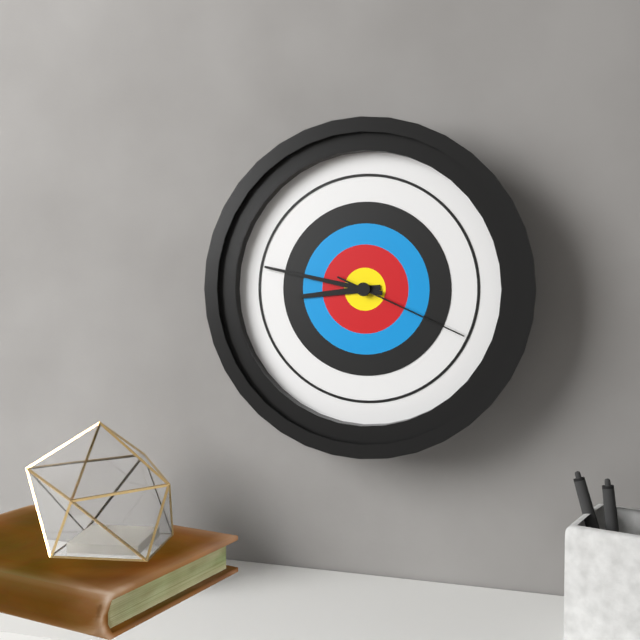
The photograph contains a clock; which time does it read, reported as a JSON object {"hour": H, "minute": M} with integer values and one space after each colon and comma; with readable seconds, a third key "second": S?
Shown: {"hour": 8, "minute": 47, "second": 19}
